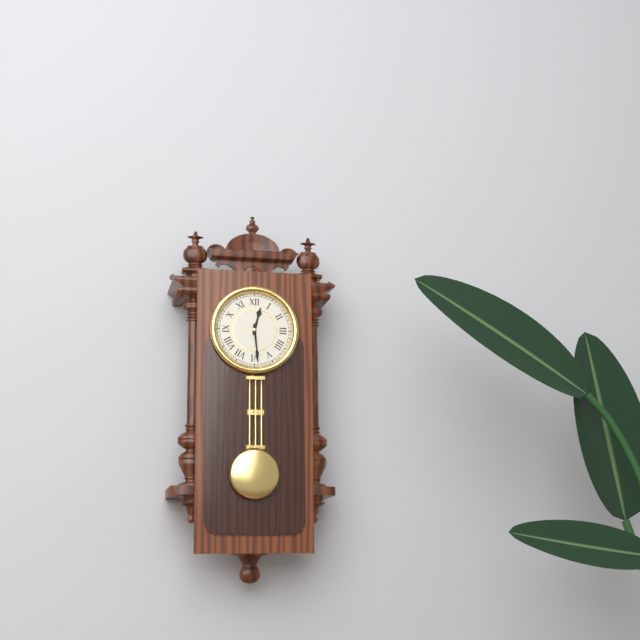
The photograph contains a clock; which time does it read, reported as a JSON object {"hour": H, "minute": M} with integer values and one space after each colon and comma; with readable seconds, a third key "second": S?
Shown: {"hour": 12, "minute": 29}
